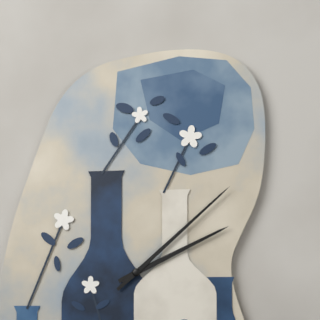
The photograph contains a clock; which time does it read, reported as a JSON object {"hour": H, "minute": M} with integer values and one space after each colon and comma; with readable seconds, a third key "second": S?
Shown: {"hour": 2, "minute": 8}
